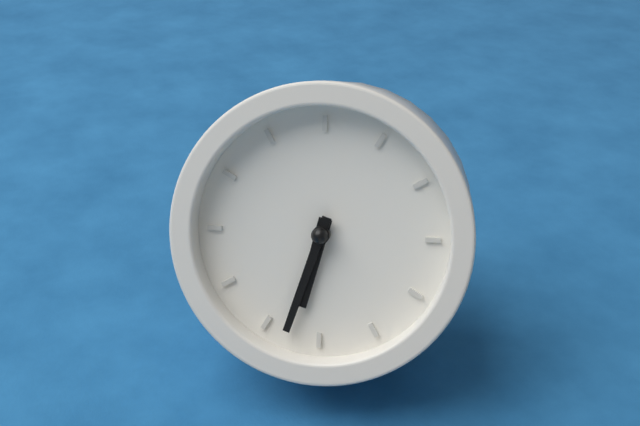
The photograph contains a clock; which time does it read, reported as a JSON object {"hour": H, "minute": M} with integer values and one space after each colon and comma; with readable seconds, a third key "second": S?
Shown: {"hour": 5, "minute": 28}
